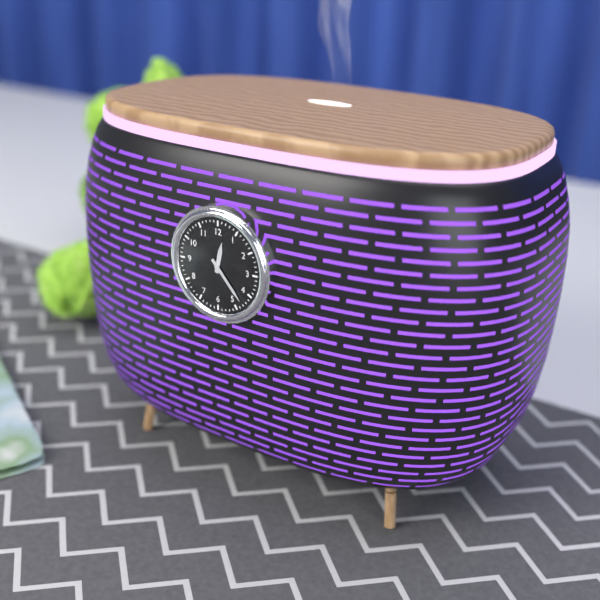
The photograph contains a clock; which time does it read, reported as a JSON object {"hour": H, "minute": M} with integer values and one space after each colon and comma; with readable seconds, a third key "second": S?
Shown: {"hour": 12, "minute": 23}
